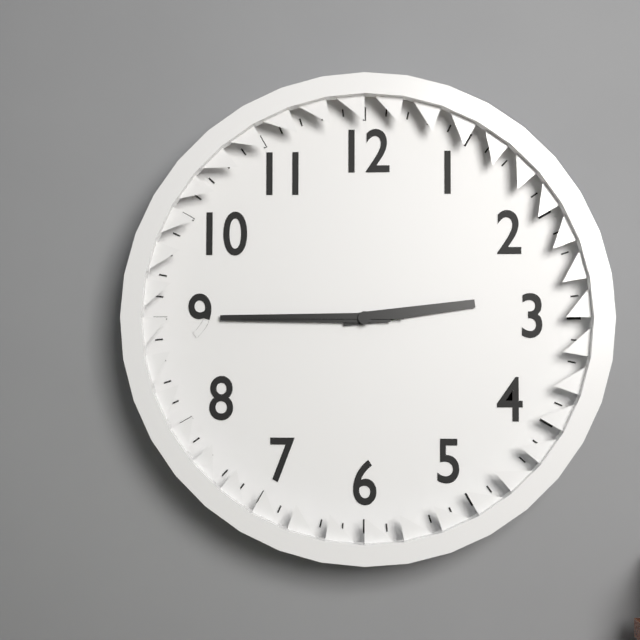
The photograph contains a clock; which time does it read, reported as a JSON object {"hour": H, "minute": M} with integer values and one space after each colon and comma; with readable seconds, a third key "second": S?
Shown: {"hour": 2, "minute": 45, "second": 45}
